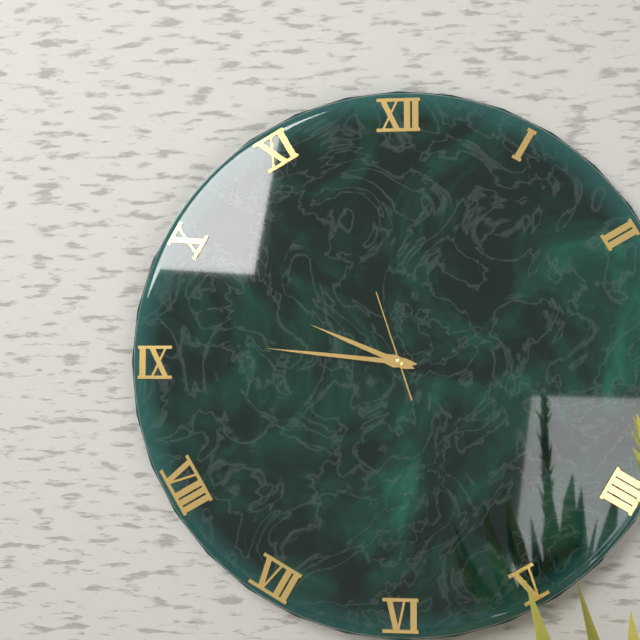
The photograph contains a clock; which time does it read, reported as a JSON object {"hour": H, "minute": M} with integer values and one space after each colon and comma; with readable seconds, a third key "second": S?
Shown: {"hour": 9, "minute": 46, "second": 57}
